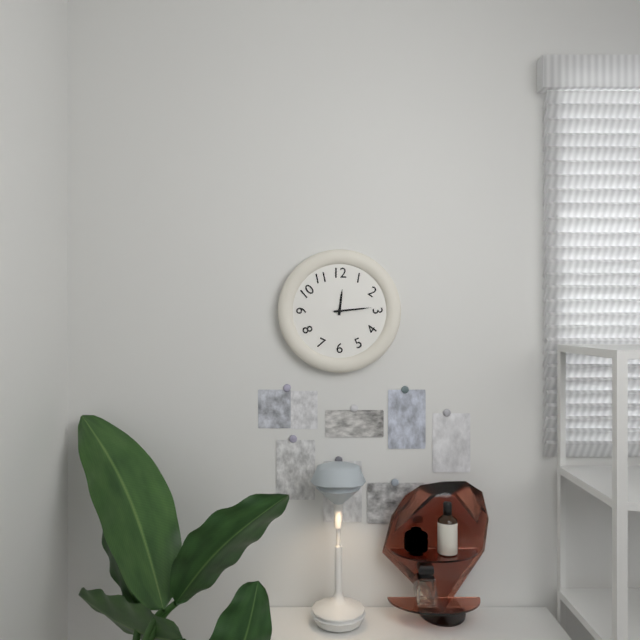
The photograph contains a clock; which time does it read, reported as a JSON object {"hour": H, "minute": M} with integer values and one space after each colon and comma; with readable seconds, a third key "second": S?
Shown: {"hour": 12, "minute": 14}
